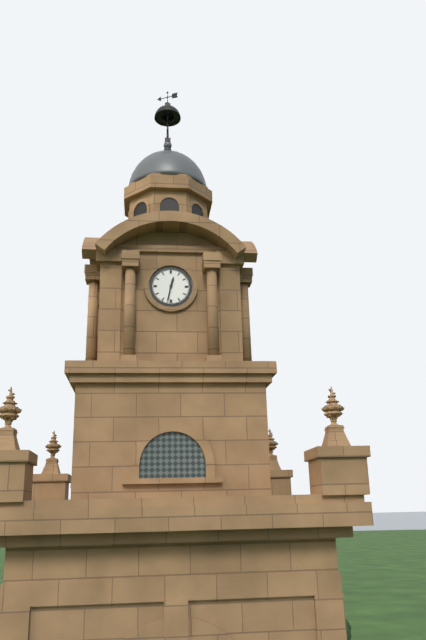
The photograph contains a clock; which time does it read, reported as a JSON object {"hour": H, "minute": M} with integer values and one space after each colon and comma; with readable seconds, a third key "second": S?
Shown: {"hour": 12, "minute": 32}
